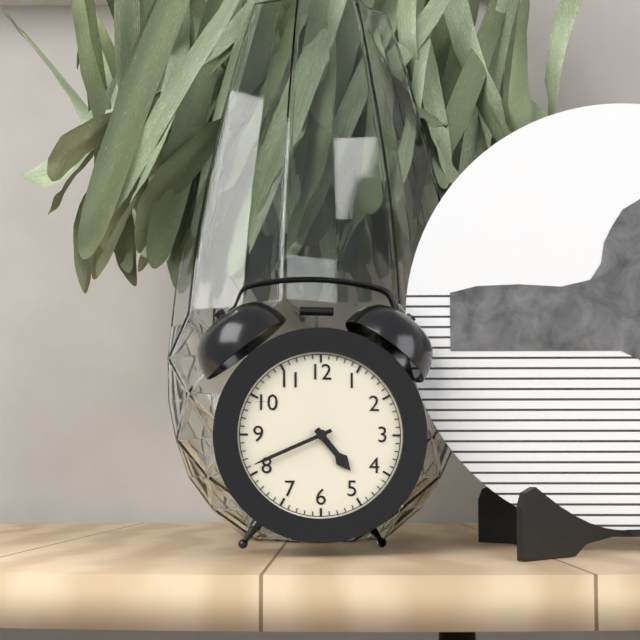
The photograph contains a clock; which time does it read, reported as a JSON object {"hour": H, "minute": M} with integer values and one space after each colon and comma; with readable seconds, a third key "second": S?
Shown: {"hour": 4, "minute": 41}
